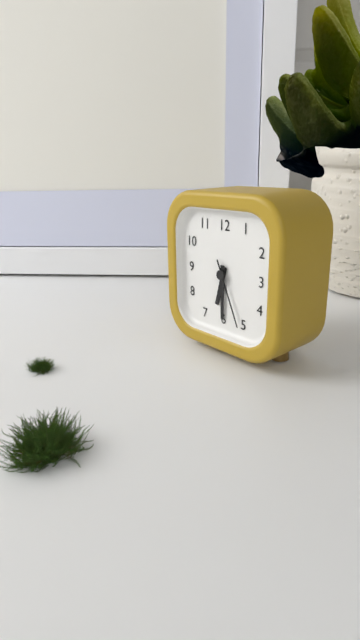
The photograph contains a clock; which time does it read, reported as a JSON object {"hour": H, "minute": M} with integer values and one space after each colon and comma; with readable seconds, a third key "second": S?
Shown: {"hour": 6, "minute": 30, "second": 26}
